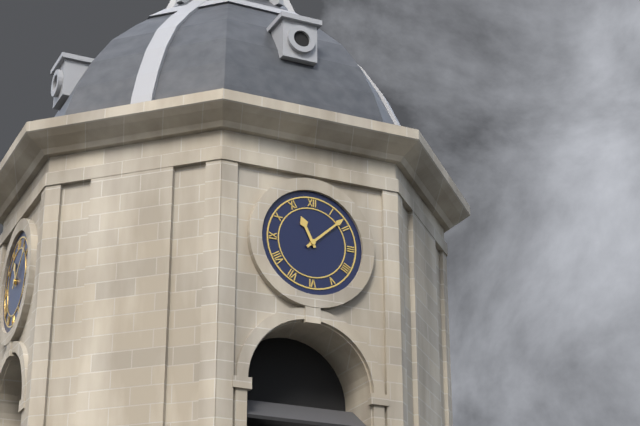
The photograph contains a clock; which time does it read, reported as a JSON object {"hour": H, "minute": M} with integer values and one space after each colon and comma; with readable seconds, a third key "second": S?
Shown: {"hour": 11, "minute": 8}
